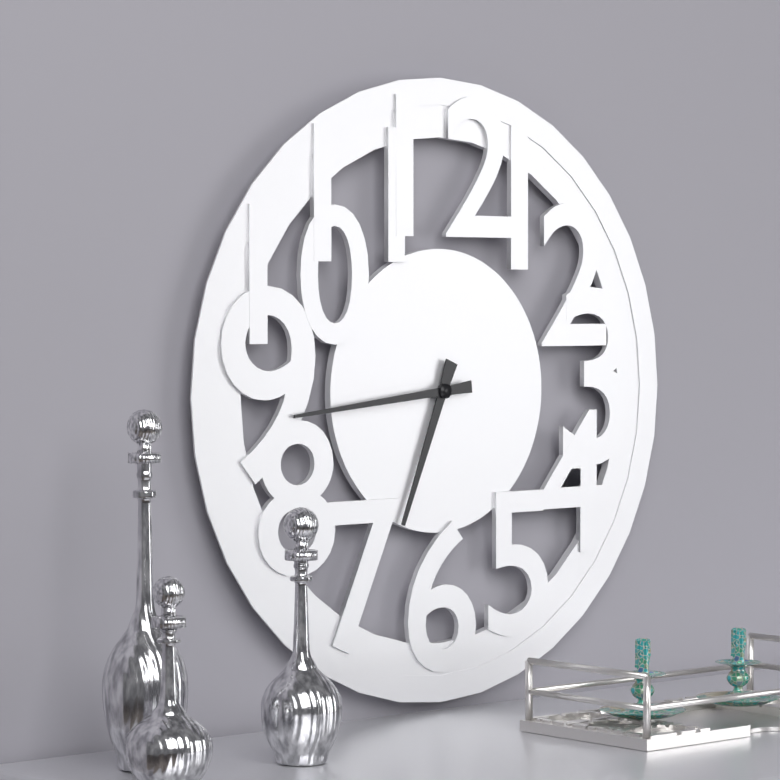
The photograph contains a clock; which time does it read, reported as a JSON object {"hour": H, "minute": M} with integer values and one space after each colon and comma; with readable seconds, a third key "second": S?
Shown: {"hour": 6, "minute": 44}
